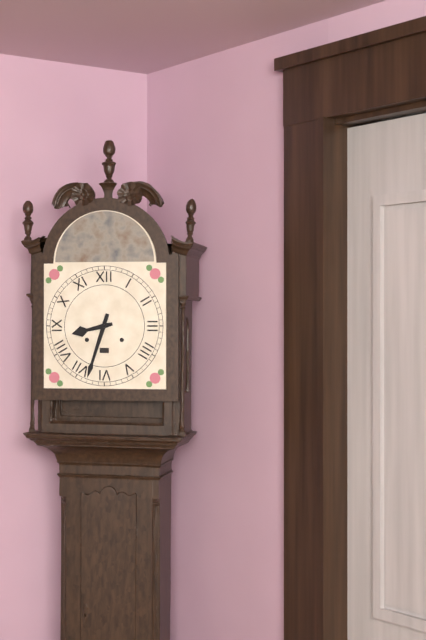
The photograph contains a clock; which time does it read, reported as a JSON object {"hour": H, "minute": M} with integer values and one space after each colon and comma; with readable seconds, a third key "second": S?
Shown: {"hour": 8, "minute": 33}
